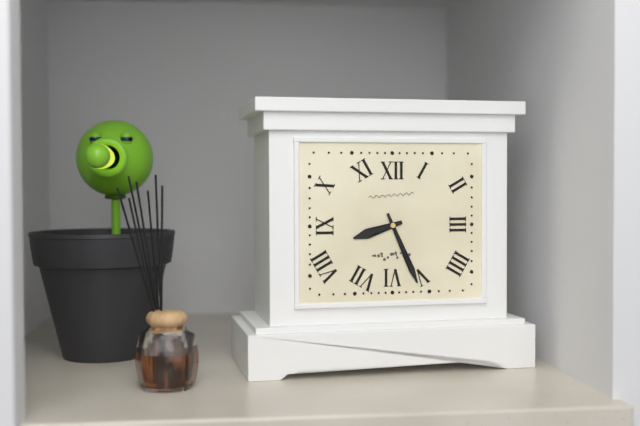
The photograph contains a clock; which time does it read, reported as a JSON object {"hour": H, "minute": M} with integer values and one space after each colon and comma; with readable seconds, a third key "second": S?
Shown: {"hour": 8, "minute": 26}
